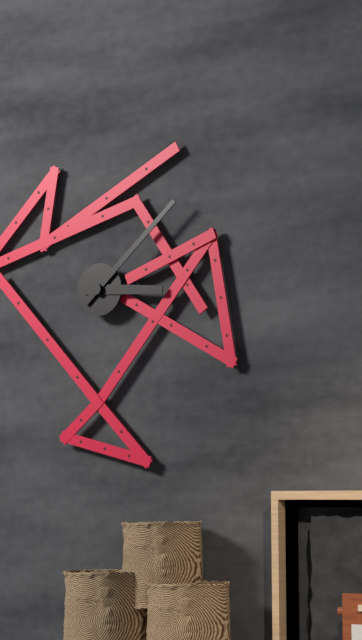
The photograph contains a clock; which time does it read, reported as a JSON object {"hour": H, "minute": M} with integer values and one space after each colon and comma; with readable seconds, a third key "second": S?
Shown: {"hour": 3, "minute": 8}
